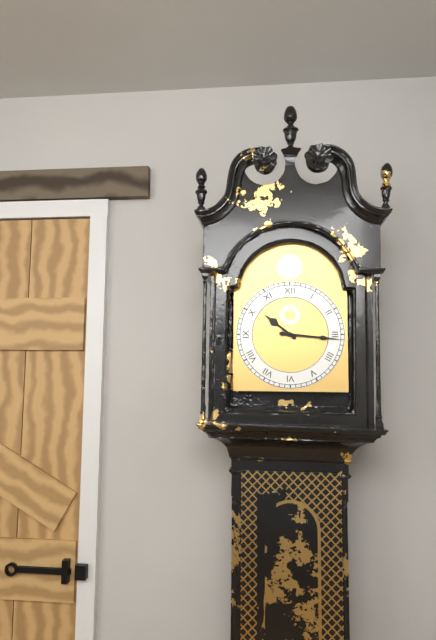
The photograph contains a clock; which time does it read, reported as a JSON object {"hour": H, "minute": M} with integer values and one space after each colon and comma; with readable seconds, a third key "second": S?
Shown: {"hour": 10, "minute": 16}
